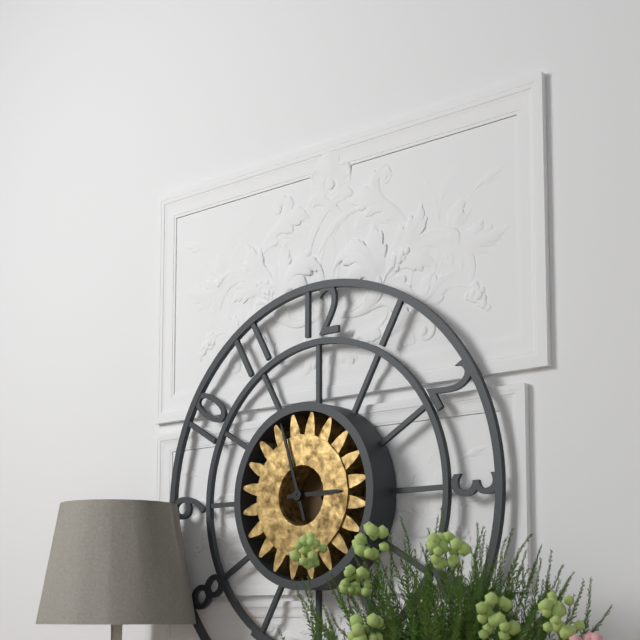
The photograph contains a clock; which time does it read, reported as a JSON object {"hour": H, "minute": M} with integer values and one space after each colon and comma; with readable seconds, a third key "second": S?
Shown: {"hour": 2, "minute": 57}
